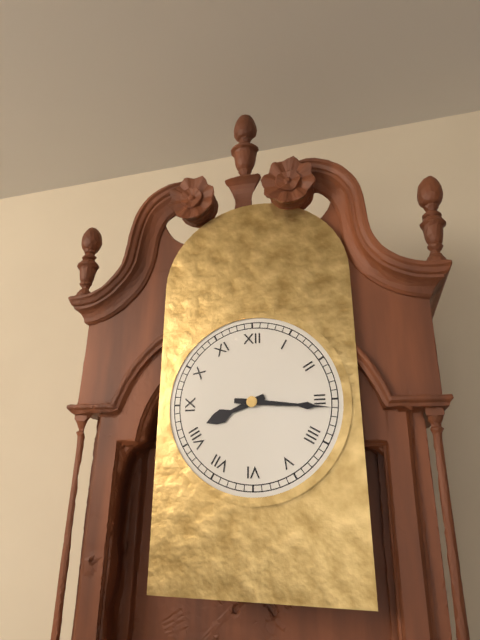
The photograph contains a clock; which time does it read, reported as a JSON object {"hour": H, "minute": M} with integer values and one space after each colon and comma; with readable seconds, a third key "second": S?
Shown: {"hour": 8, "minute": 16}
